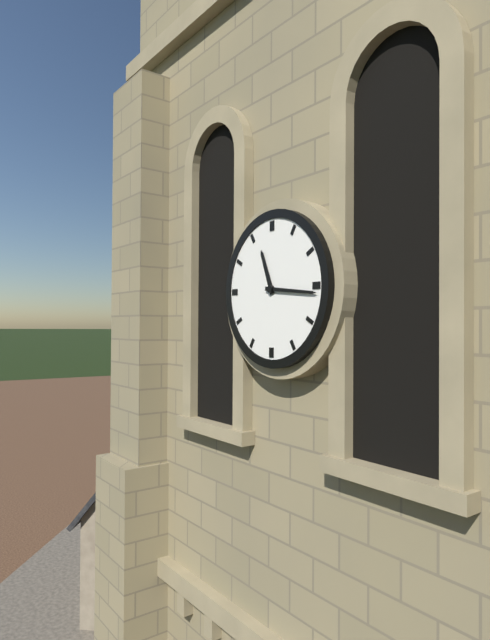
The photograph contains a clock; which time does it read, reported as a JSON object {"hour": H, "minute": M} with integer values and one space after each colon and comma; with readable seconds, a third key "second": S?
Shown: {"hour": 11, "minute": 16}
